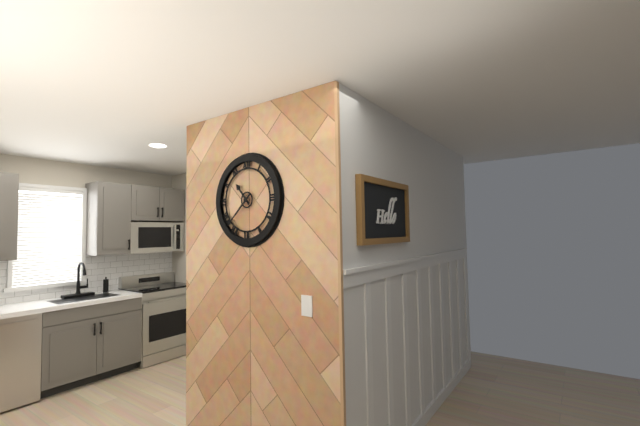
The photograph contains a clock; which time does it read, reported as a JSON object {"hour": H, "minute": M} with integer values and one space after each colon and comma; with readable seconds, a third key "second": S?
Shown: {"hour": 10, "minute": 38}
